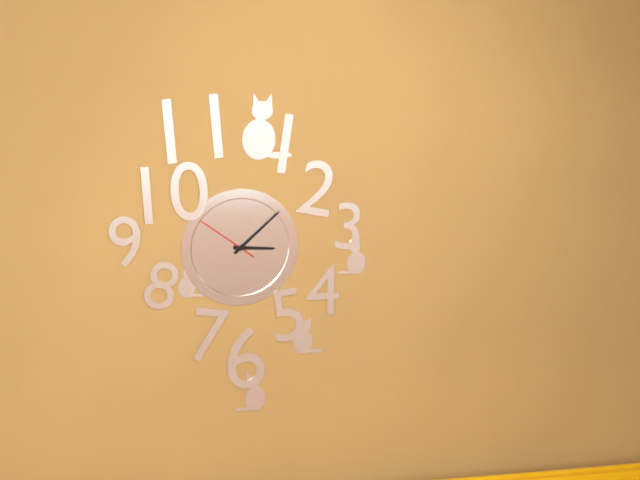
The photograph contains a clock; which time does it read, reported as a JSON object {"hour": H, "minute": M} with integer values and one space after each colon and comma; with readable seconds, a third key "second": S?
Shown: {"hour": 3, "minute": 8, "second": 51}
